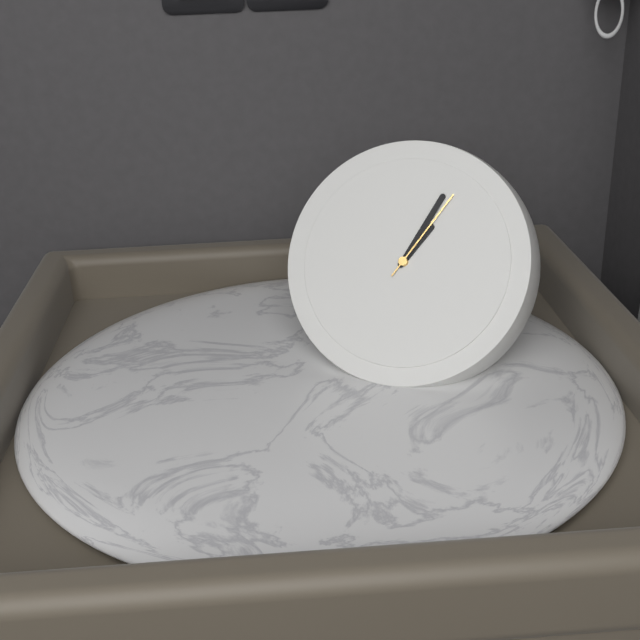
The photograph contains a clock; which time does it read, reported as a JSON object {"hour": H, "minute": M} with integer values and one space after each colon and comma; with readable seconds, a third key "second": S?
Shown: {"hour": 1, "minute": 4, "second": 5}
